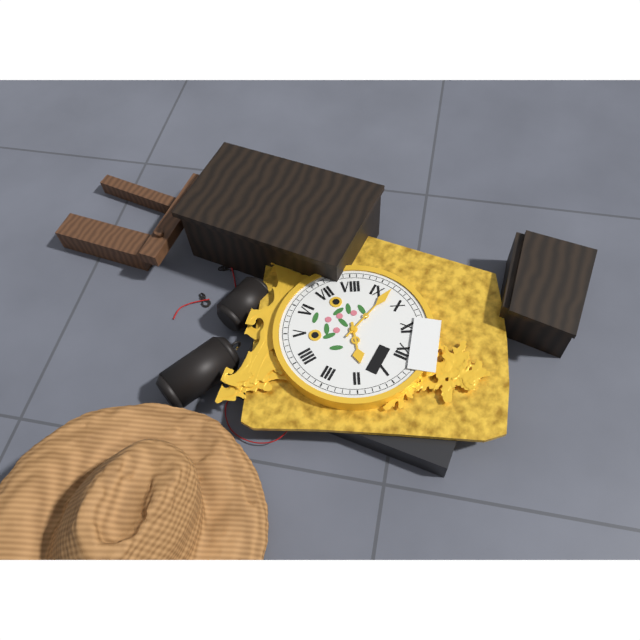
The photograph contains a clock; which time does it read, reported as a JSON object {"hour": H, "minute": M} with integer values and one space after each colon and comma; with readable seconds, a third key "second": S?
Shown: {"hour": 1, "minute": 47}
